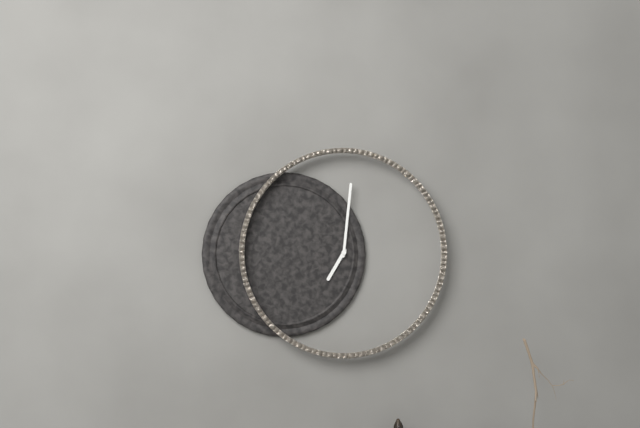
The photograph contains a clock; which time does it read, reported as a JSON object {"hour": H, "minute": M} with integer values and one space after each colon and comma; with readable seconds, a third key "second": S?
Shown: {"hour": 7, "minute": 1}
